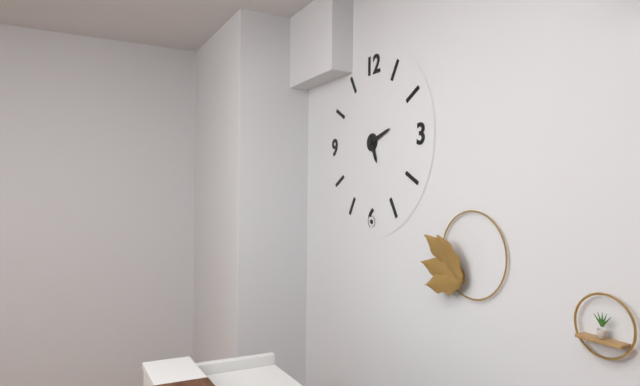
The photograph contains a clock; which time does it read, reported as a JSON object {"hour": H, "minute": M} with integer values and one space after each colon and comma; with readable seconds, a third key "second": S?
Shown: {"hour": 5, "minute": 12}
